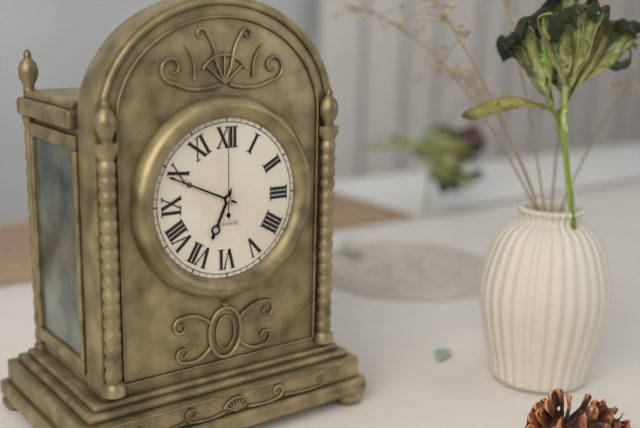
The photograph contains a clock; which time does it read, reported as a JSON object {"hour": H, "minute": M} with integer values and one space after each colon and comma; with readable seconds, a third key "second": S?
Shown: {"hour": 6, "minute": 49, "second": 0}
